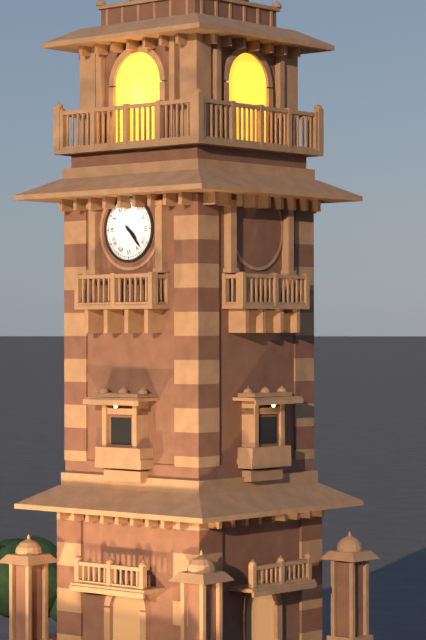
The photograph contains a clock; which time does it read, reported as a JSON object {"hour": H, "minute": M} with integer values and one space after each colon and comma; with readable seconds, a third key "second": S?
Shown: {"hour": 4, "minute": 23}
